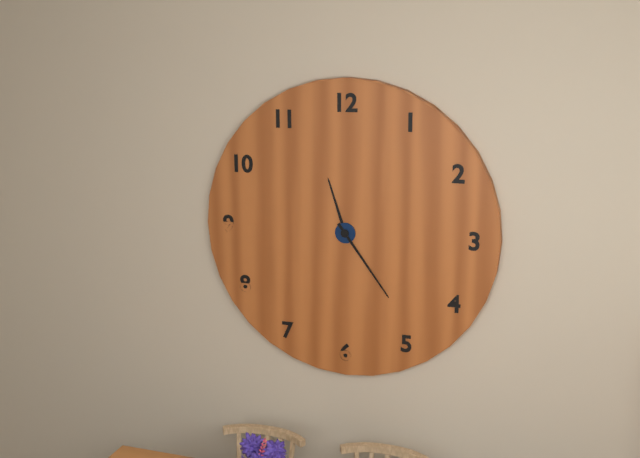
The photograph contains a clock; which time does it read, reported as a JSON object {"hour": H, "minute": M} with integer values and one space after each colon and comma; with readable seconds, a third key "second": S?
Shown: {"hour": 11, "minute": 24}
